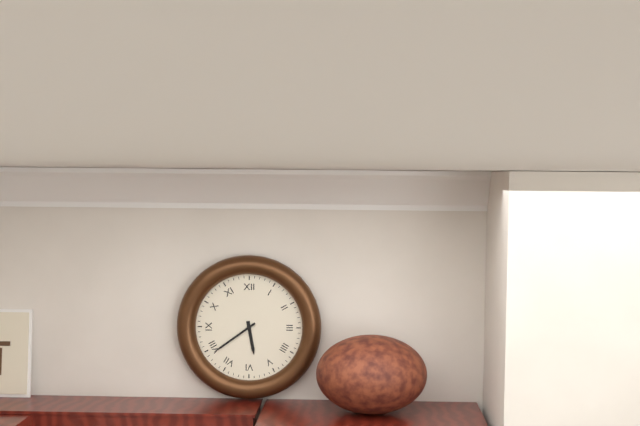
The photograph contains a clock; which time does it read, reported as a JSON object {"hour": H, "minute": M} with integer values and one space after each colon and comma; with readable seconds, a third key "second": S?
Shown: {"hour": 5, "minute": 39}
